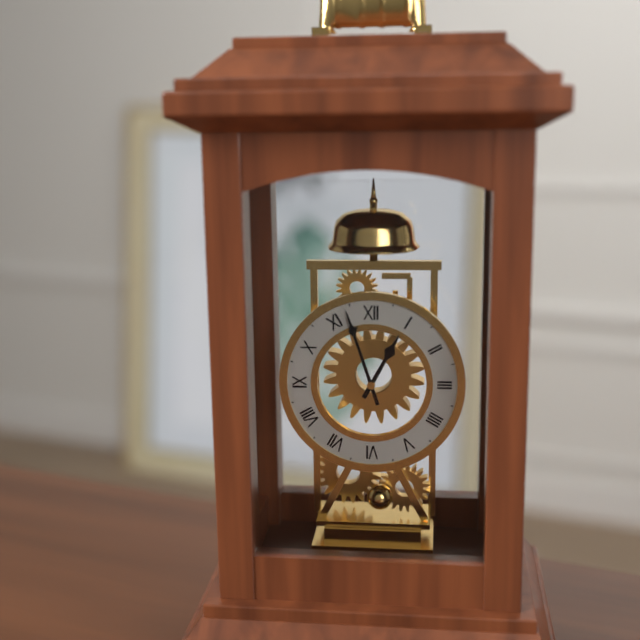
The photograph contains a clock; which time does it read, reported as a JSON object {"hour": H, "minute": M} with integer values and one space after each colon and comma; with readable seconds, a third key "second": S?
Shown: {"hour": 12, "minute": 57}
